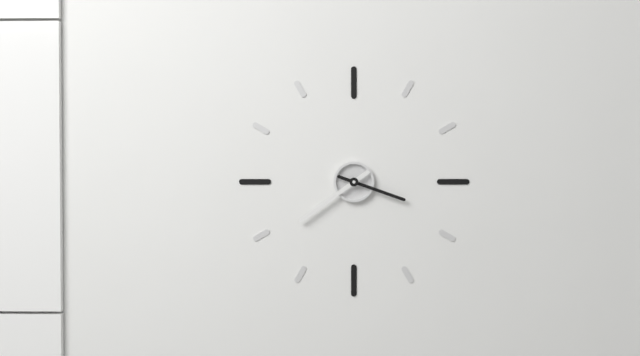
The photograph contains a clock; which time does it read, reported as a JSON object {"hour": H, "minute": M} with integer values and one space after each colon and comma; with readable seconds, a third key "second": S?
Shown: {"hour": 3, "minute": 39}
